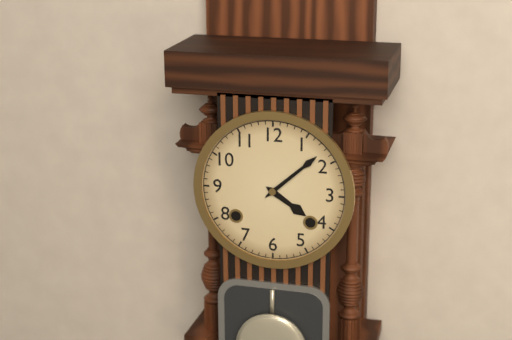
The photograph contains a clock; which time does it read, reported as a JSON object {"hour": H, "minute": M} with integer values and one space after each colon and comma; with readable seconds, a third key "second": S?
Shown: {"hour": 4, "minute": 8}
